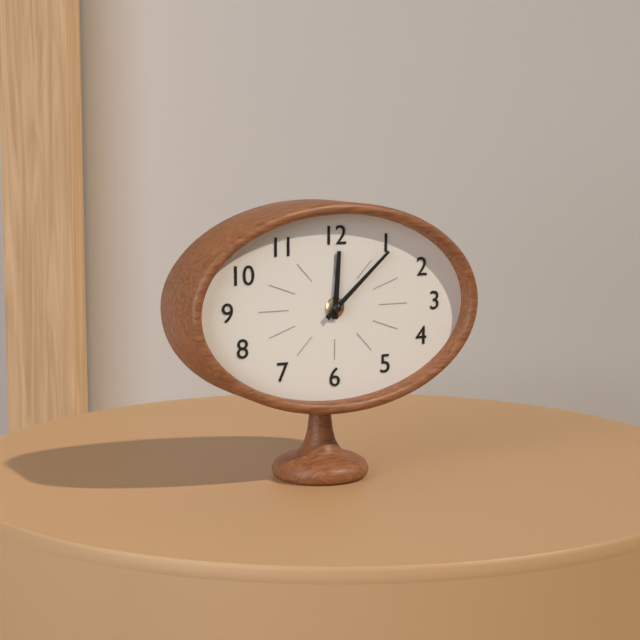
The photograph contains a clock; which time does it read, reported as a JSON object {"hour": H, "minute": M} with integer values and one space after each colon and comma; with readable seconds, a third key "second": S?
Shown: {"hour": 12, "minute": 8}
